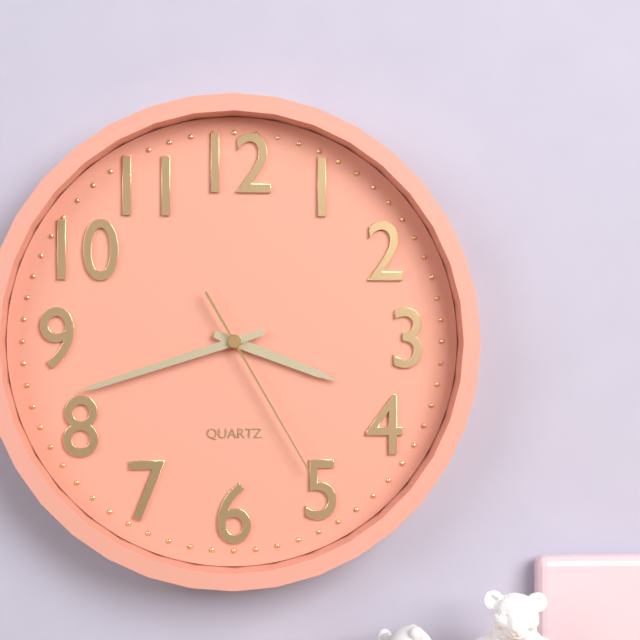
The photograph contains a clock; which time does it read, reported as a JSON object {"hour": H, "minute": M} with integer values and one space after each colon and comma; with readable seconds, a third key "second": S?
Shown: {"hour": 3, "minute": 42, "second": 25}
